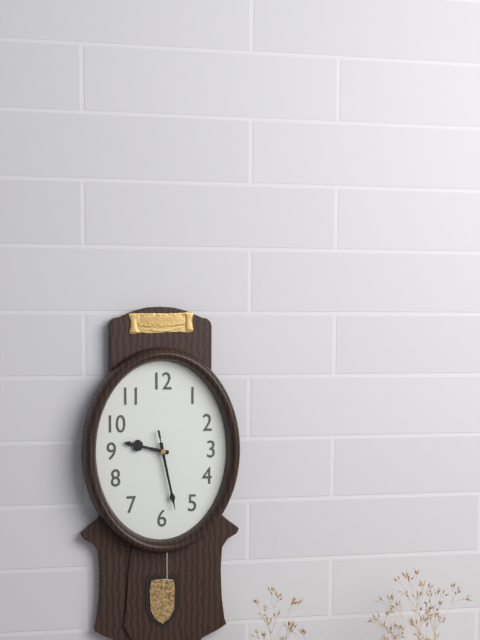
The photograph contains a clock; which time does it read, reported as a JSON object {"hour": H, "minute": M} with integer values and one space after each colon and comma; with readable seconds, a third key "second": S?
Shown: {"hour": 9, "minute": 28, "second": 28}
